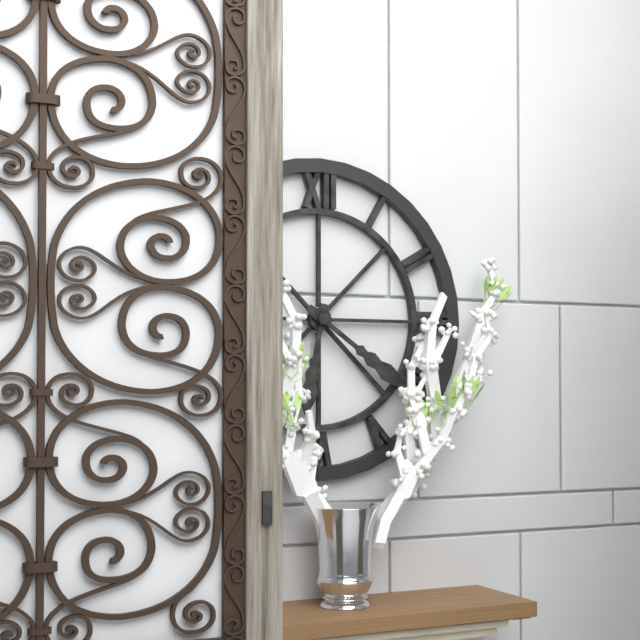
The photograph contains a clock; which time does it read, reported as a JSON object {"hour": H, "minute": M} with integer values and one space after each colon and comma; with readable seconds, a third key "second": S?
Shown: {"hour": 6, "minute": 21}
